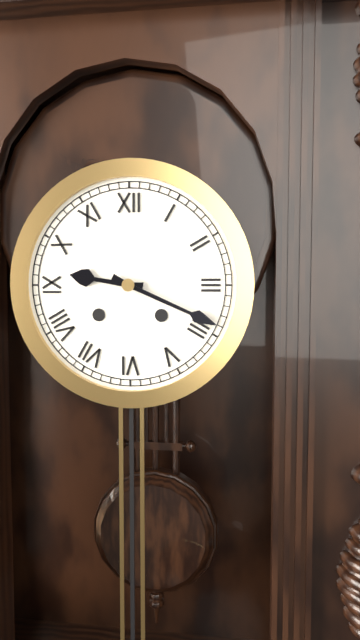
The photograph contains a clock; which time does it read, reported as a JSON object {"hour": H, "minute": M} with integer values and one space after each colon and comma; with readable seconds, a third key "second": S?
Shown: {"hour": 9, "minute": 19}
